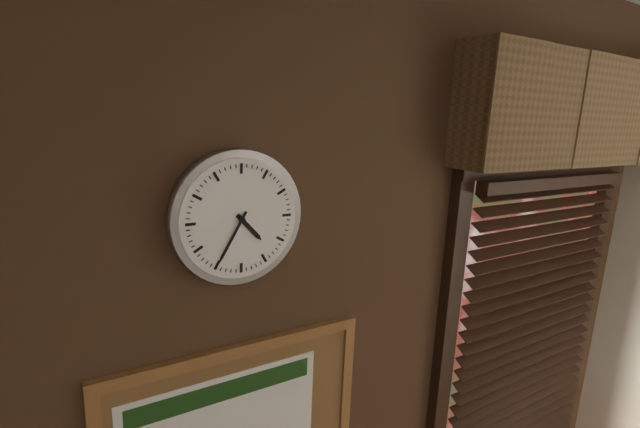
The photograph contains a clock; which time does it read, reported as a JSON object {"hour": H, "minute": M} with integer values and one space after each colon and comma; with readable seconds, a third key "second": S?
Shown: {"hour": 4, "minute": 35}
